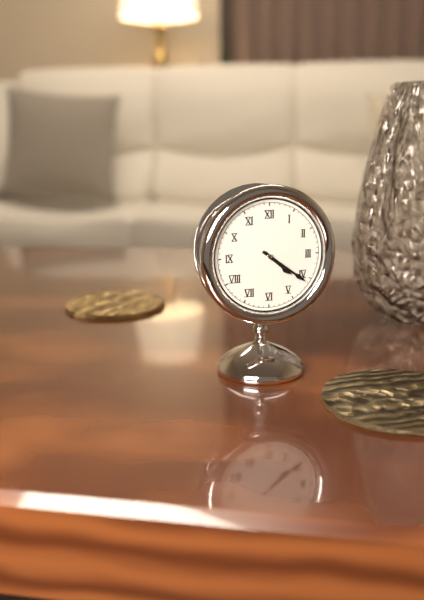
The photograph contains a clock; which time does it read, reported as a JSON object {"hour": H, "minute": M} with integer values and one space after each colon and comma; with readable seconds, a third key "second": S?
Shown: {"hour": 4, "minute": 21}
